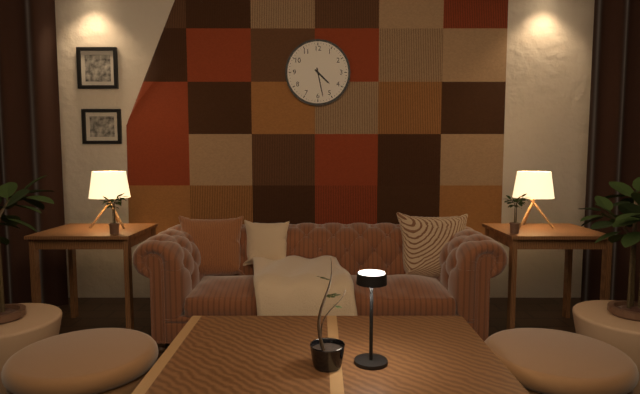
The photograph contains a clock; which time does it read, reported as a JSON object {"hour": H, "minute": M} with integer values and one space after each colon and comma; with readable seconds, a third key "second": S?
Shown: {"hour": 4, "minute": 28}
